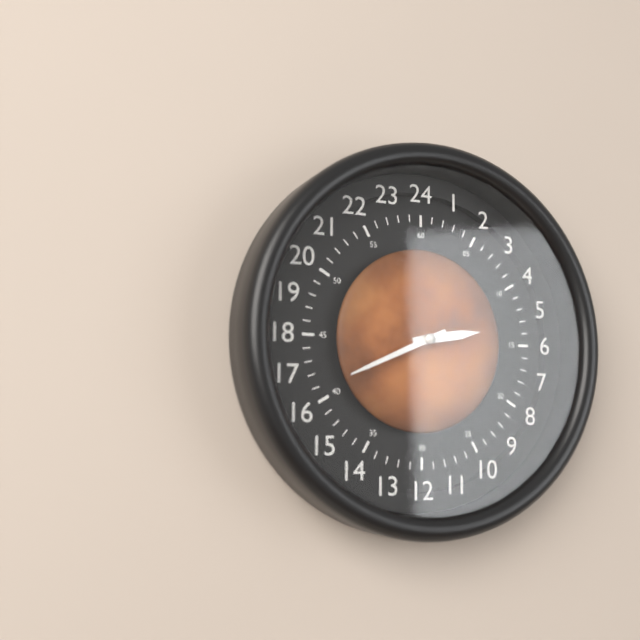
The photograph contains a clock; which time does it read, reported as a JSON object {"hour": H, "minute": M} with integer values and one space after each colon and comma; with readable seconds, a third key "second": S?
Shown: {"hour": 2, "minute": 41}
